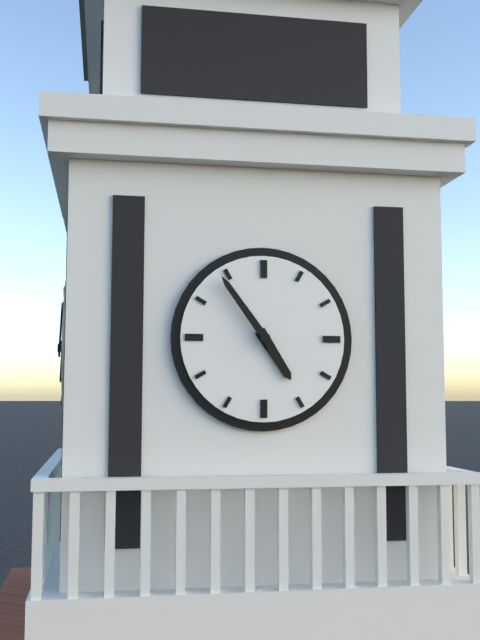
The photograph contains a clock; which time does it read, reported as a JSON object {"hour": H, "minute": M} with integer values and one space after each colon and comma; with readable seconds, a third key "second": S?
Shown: {"hour": 4, "minute": 54}
